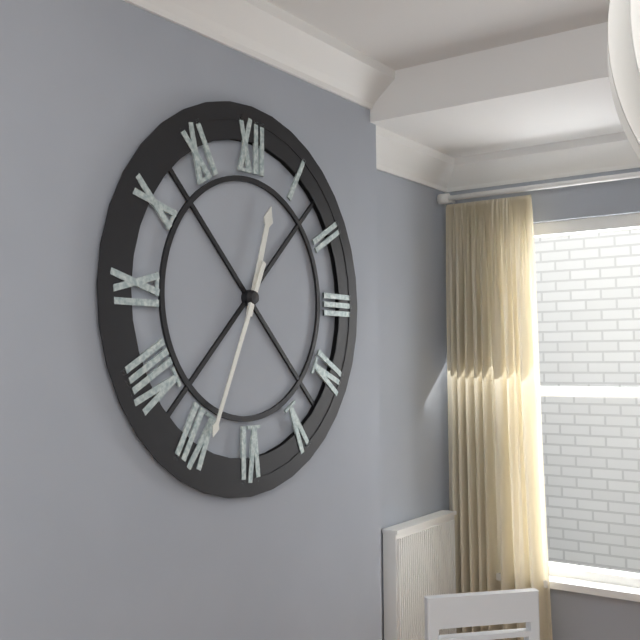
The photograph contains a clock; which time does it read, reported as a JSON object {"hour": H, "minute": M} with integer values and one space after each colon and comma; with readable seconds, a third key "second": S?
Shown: {"hour": 12, "minute": 34}
